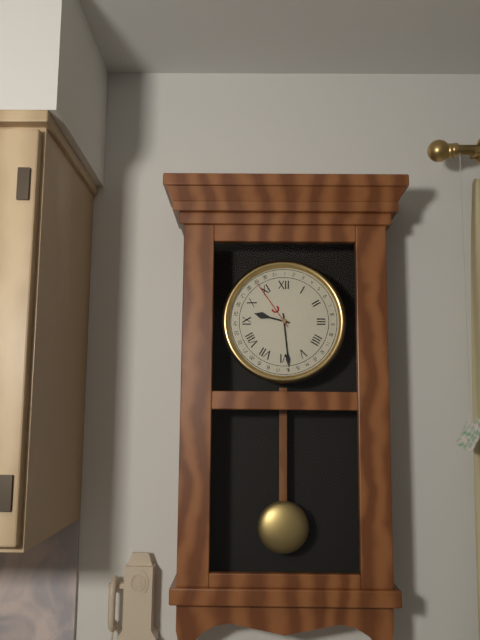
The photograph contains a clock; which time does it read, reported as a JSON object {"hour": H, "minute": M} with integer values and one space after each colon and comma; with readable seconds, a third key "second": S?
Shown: {"hour": 9, "minute": 29}
